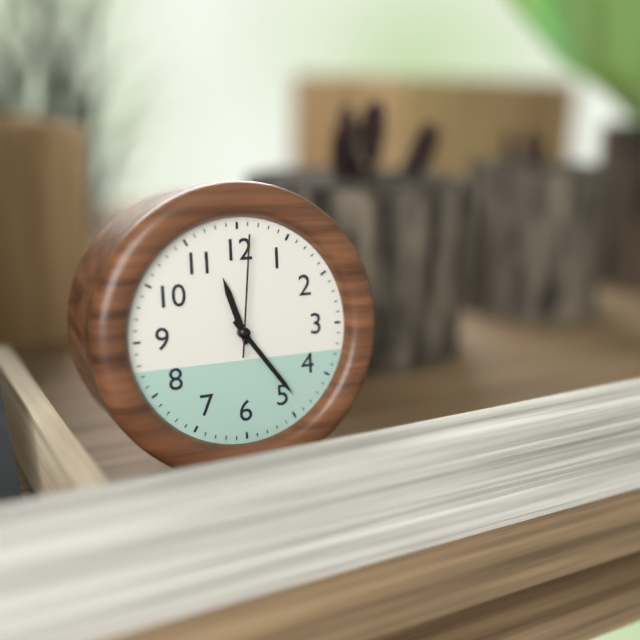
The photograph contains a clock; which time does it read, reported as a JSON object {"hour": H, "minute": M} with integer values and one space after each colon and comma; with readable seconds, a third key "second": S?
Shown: {"hour": 11, "minute": 24, "second": 1}
